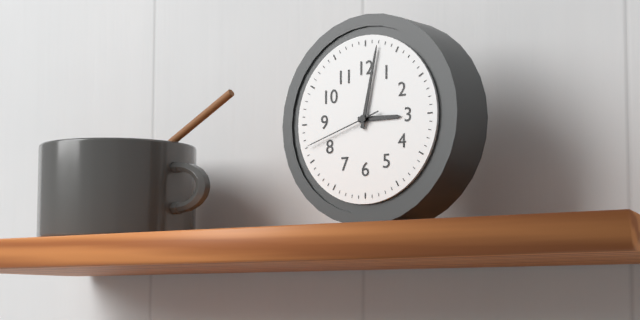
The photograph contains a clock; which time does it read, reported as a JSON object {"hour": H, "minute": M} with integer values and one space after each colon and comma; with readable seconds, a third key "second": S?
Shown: {"hour": 3, "minute": 2, "second": 42}
